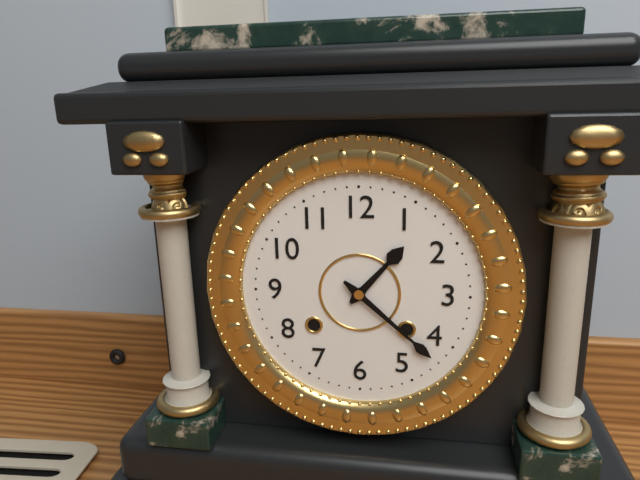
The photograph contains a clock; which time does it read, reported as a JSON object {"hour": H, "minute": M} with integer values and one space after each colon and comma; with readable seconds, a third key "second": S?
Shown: {"hour": 1, "minute": 22}
